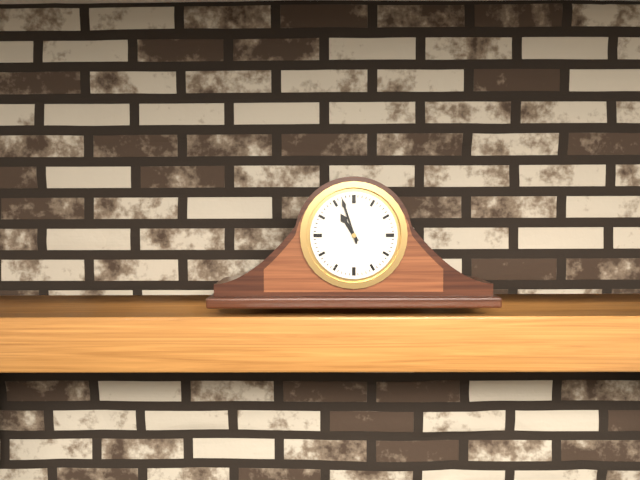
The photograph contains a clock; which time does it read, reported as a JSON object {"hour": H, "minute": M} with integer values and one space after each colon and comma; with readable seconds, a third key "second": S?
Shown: {"hour": 10, "minute": 57}
